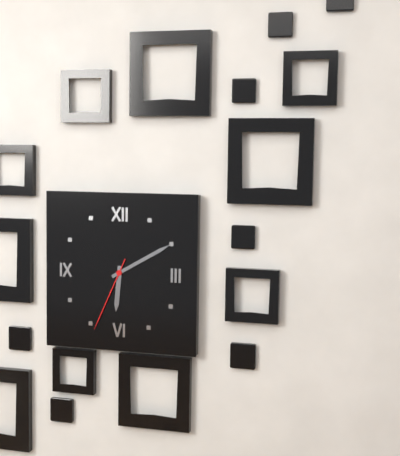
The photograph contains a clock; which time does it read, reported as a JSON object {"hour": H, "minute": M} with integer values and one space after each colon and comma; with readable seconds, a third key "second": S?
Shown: {"hour": 6, "minute": 10, "second": 34}
